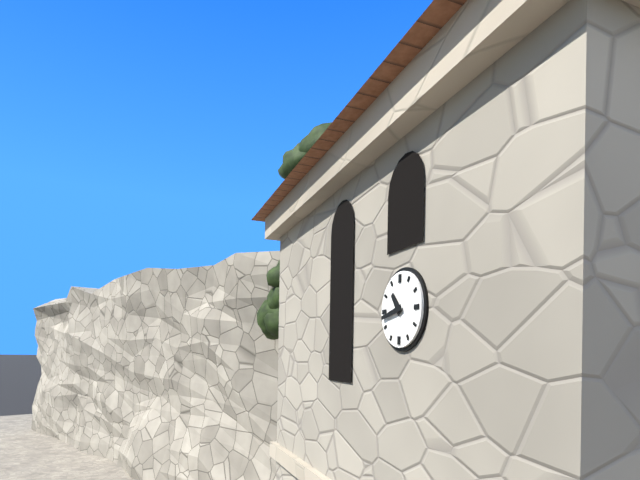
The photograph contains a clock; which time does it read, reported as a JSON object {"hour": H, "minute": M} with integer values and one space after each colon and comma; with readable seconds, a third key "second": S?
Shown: {"hour": 10, "minute": 43}
